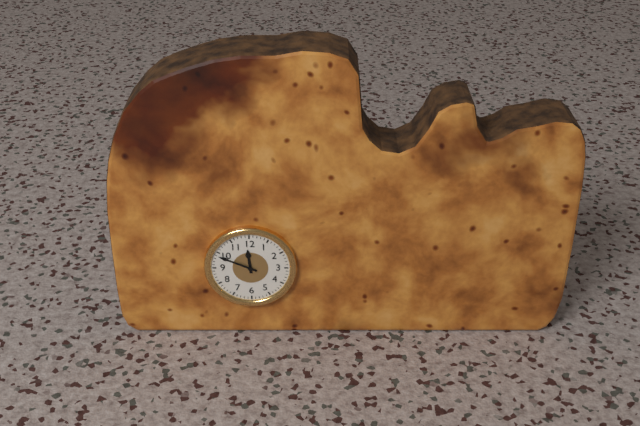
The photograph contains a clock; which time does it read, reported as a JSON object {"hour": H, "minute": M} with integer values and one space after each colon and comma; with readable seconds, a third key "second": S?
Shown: {"hour": 11, "minute": 49}
